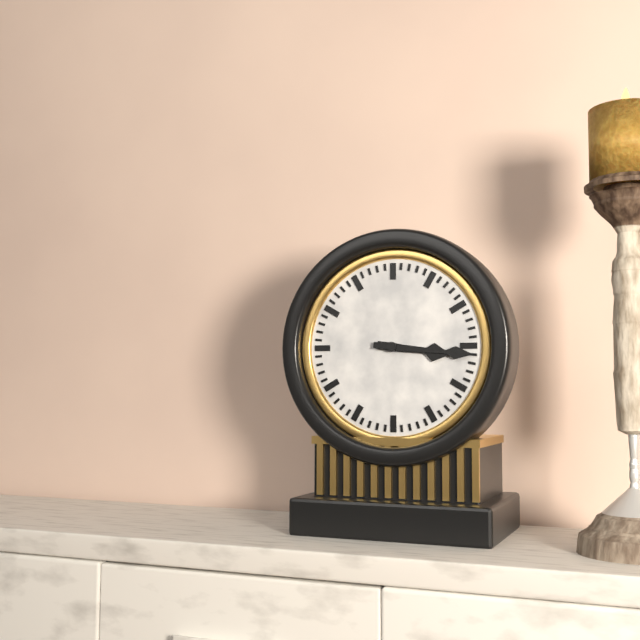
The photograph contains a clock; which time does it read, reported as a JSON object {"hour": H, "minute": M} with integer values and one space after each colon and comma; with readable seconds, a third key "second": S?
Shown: {"hour": 3, "minute": 16}
